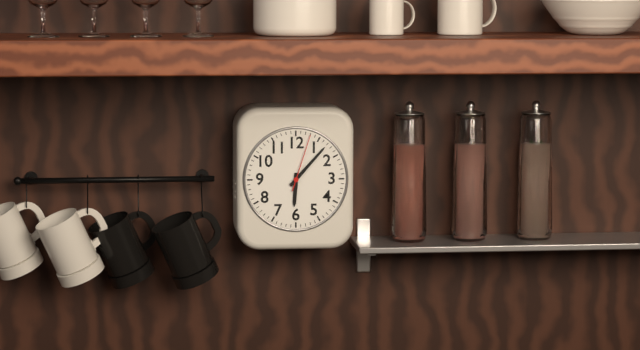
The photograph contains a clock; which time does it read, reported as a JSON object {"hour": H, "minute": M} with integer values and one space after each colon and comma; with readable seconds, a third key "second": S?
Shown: {"hour": 6, "minute": 7, "second": 3}
